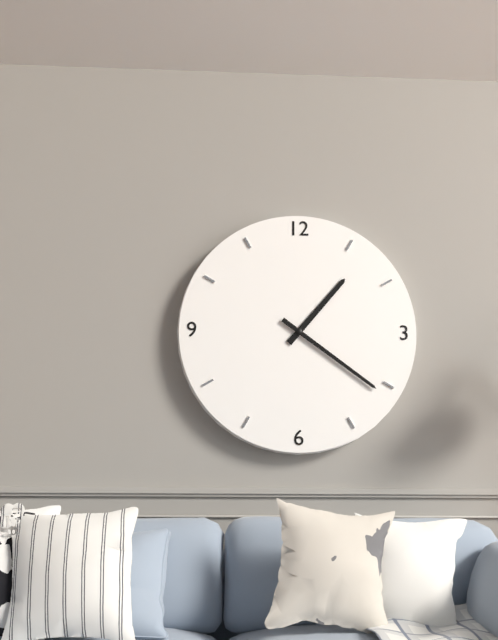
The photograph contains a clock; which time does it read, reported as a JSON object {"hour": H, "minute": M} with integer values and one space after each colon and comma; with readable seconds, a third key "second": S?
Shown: {"hour": 1, "minute": 21}
